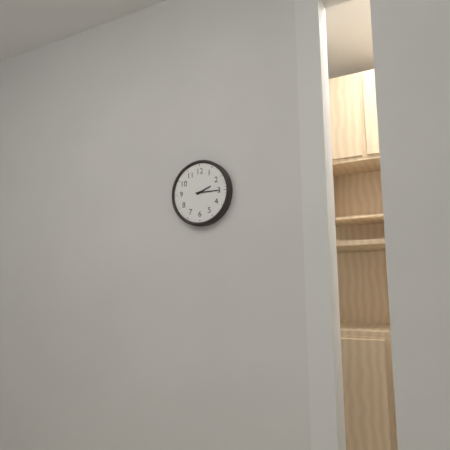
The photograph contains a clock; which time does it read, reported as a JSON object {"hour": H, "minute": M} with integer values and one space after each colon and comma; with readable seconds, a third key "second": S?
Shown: {"hour": 2, "minute": 15}
